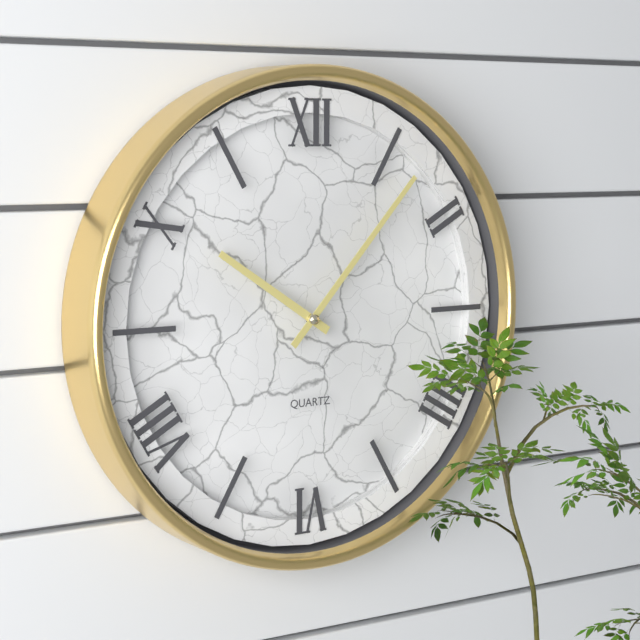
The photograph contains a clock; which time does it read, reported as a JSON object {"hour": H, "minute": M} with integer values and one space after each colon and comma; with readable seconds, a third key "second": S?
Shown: {"hour": 10, "minute": 7}
